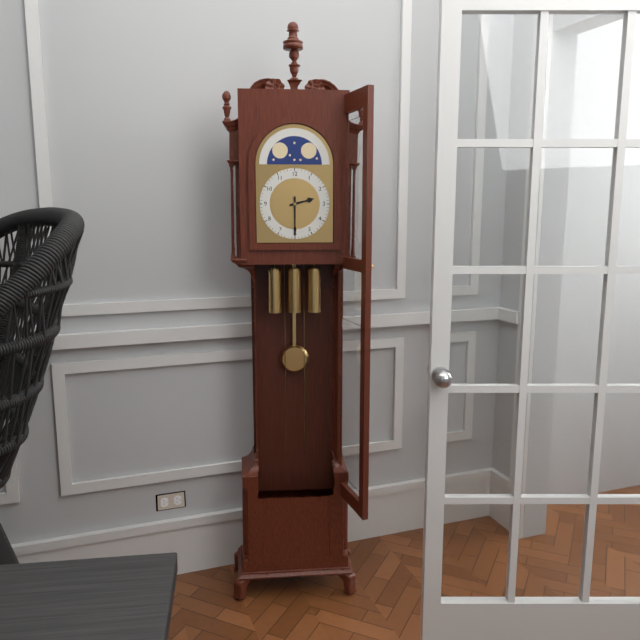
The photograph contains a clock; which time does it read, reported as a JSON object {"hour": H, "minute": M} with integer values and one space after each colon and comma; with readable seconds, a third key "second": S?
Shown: {"hour": 2, "minute": 30}
